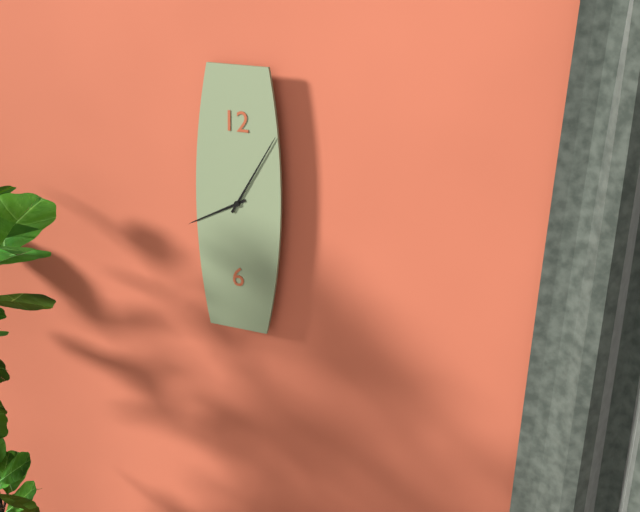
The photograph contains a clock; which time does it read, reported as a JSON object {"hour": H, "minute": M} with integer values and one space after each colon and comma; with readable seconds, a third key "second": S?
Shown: {"hour": 8, "minute": 5}
